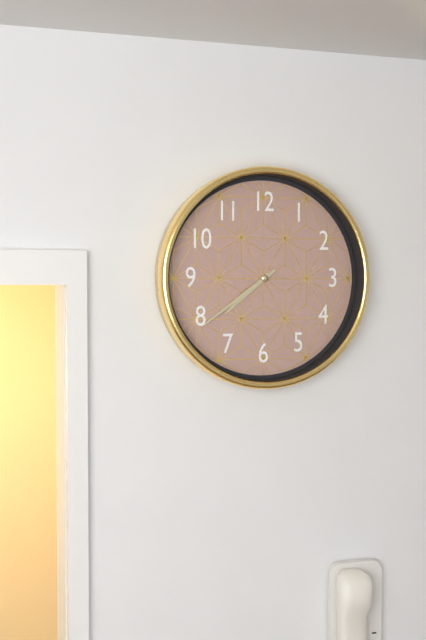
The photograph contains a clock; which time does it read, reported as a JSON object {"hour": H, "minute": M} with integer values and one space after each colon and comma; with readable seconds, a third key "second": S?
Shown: {"hour": 7, "minute": 39}
